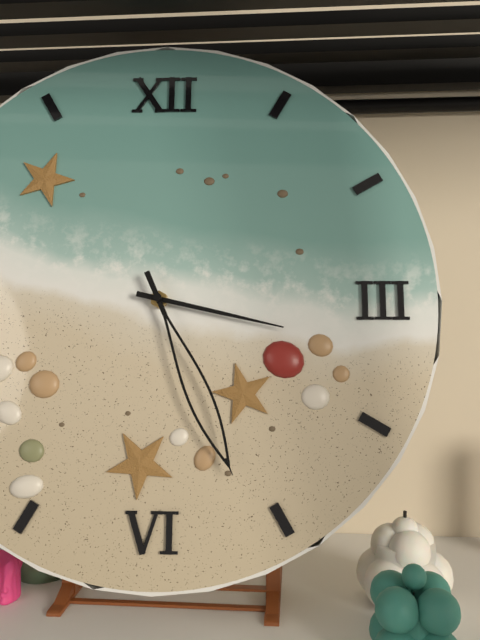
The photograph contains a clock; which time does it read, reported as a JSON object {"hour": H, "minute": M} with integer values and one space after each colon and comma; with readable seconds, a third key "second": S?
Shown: {"hour": 3, "minute": 26}
